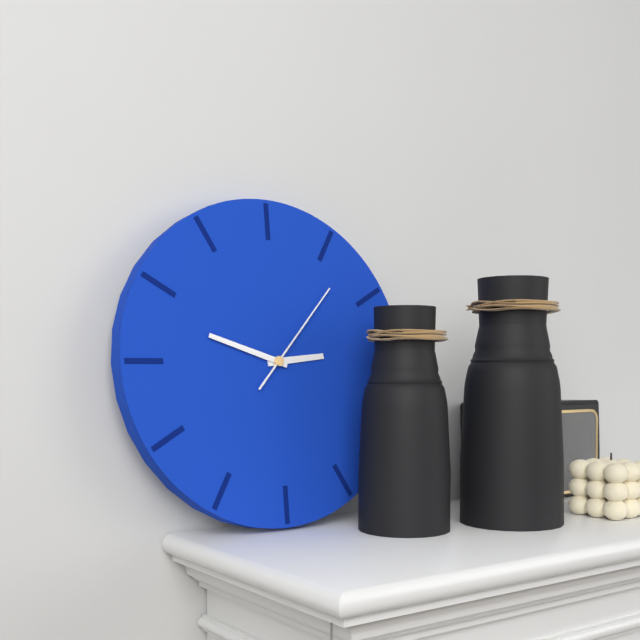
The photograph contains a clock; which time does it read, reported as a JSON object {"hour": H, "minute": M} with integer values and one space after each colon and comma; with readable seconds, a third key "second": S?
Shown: {"hour": 2, "minute": 48, "second": 7}
